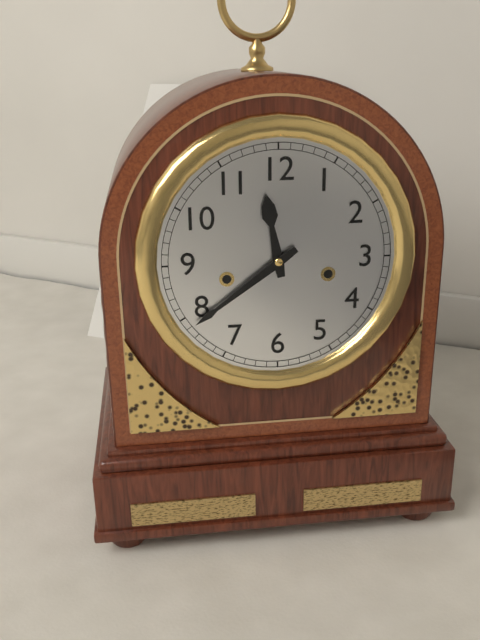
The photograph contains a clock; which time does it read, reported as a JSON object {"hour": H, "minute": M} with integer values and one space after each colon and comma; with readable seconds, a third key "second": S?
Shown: {"hour": 11, "minute": 39}
